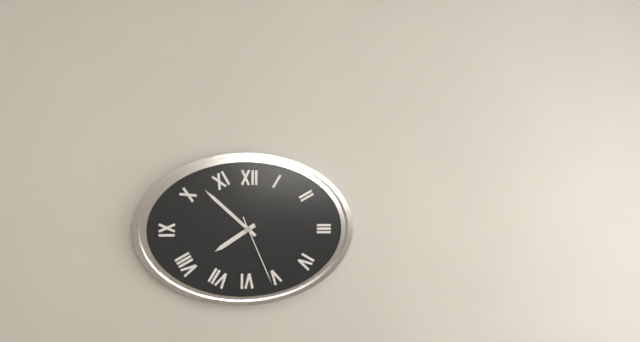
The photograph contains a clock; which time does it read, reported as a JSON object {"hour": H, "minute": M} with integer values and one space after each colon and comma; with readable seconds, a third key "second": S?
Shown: {"hour": 7, "minute": 52, "second": 26}
